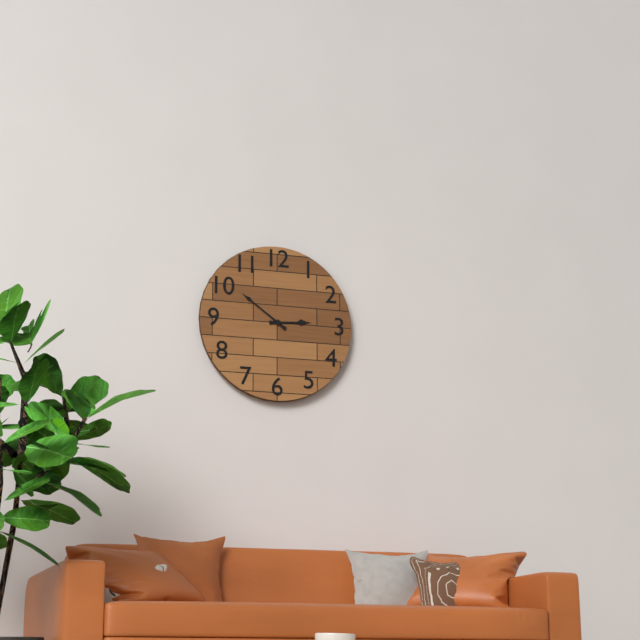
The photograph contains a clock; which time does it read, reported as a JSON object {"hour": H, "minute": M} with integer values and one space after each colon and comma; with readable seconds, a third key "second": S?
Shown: {"hour": 2, "minute": 51}
